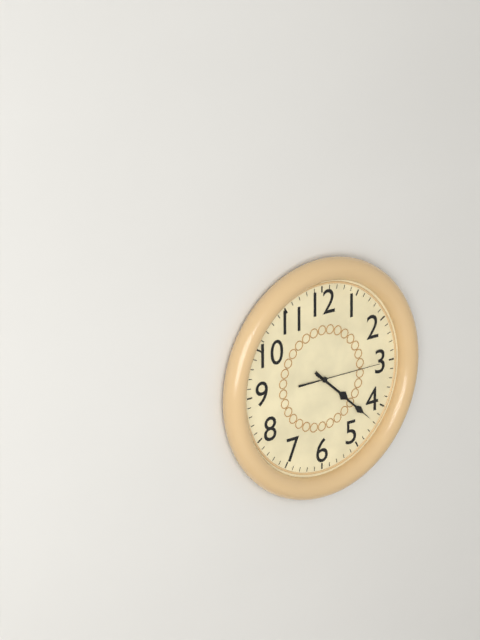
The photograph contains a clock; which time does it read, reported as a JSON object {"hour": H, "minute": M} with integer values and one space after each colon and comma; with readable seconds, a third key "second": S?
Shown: {"hour": 4, "minute": 22, "second": 15}
